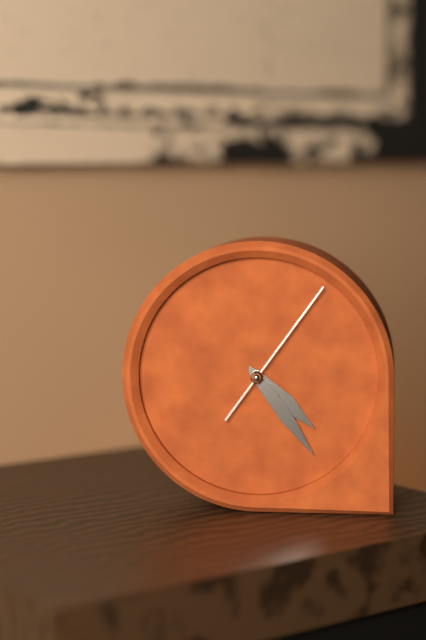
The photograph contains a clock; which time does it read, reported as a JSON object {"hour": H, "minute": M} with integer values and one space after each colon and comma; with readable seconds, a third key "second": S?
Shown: {"hour": 4, "minute": 24, "second": 6}
